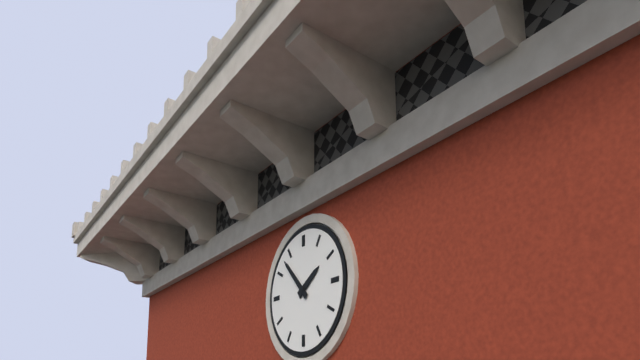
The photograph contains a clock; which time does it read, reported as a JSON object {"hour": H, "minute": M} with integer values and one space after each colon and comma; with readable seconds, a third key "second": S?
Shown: {"hour": 1, "minute": 53}
